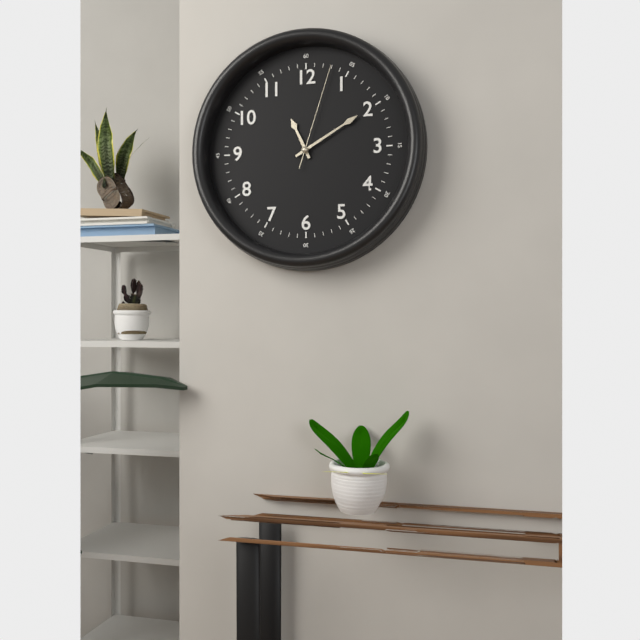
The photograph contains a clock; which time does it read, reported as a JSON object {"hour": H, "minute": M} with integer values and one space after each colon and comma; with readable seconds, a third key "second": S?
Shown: {"hour": 11, "minute": 10, "second": 3}
